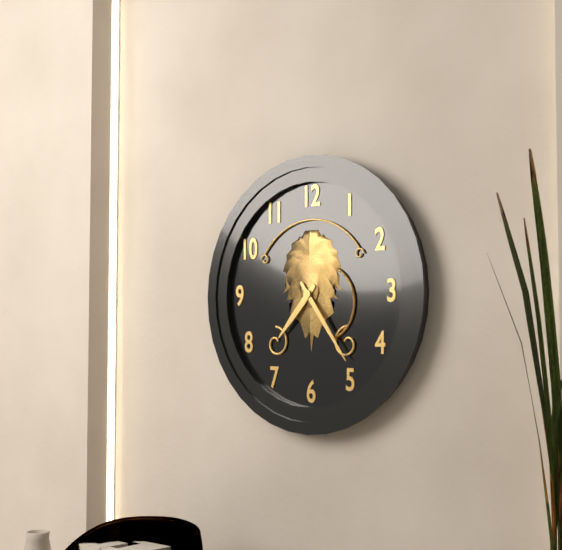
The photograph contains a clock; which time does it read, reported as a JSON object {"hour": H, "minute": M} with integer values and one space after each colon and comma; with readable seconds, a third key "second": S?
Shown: {"hour": 7, "minute": 24}
